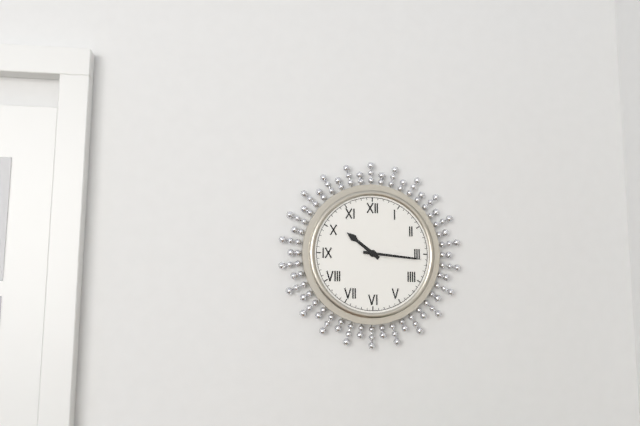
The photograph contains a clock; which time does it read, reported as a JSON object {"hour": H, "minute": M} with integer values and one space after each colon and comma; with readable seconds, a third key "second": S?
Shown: {"hour": 10, "minute": 16}
